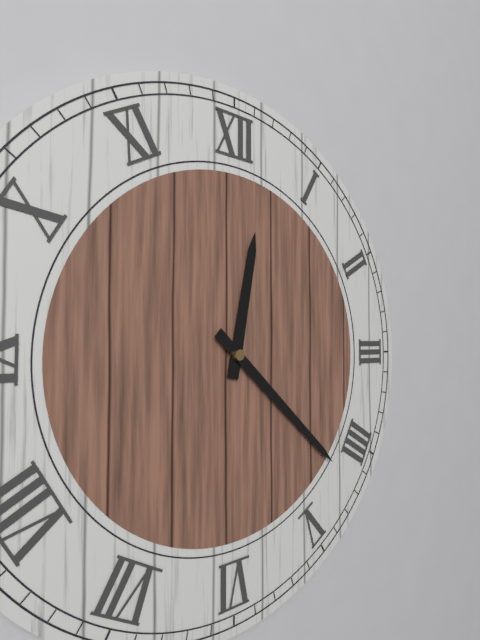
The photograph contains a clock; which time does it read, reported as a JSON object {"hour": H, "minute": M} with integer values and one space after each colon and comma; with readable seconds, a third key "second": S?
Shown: {"hour": 12, "minute": 22}
